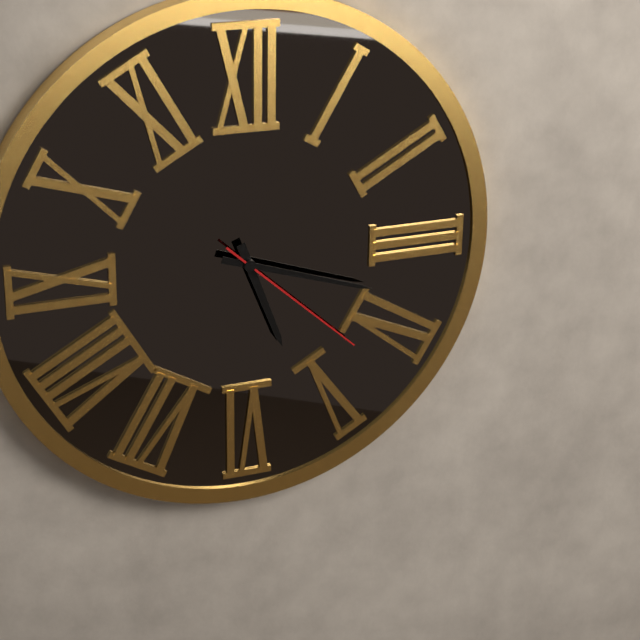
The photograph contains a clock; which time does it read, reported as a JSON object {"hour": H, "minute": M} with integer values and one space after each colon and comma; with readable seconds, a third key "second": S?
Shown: {"hour": 5, "minute": 18, "second": 22}
